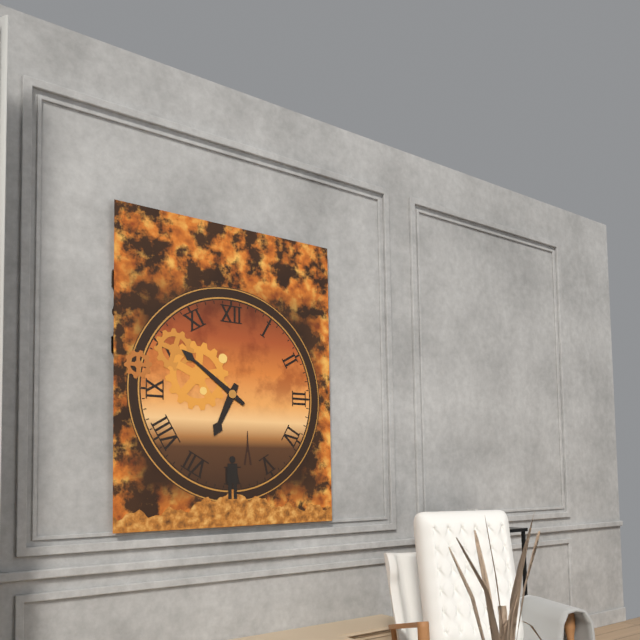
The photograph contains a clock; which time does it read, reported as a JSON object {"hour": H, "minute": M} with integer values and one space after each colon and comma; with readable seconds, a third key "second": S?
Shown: {"hour": 6, "minute": 51}
